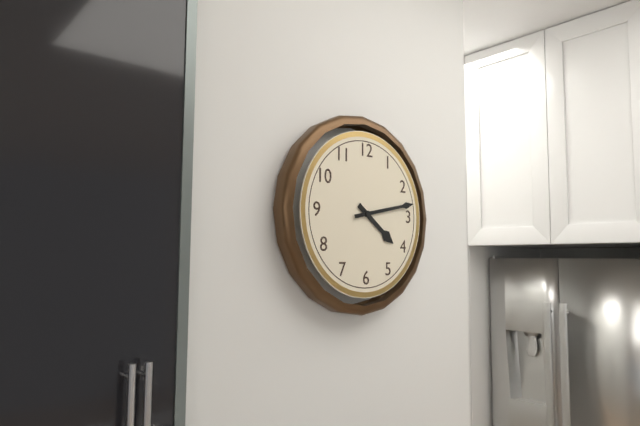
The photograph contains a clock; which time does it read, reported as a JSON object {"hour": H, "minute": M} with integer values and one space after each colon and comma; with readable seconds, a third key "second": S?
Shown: {"hour": 4, "minute": 13}
